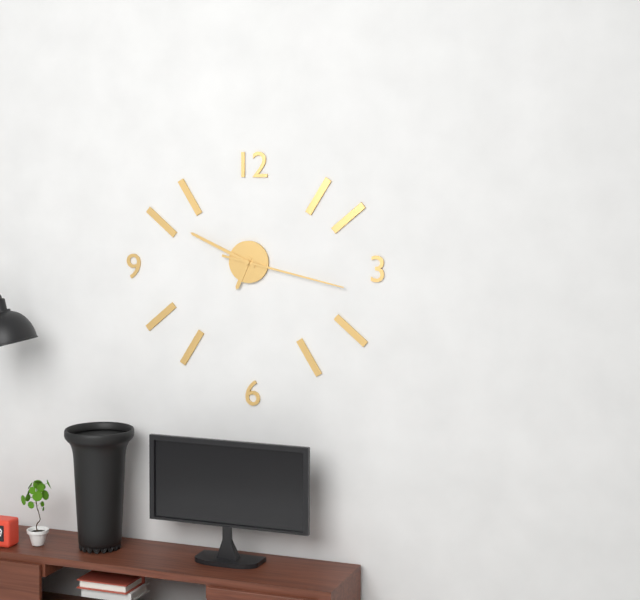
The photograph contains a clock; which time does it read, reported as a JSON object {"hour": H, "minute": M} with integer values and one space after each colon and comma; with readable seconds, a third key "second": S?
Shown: {"hour": 6, "minute": 49, "second": 17}
